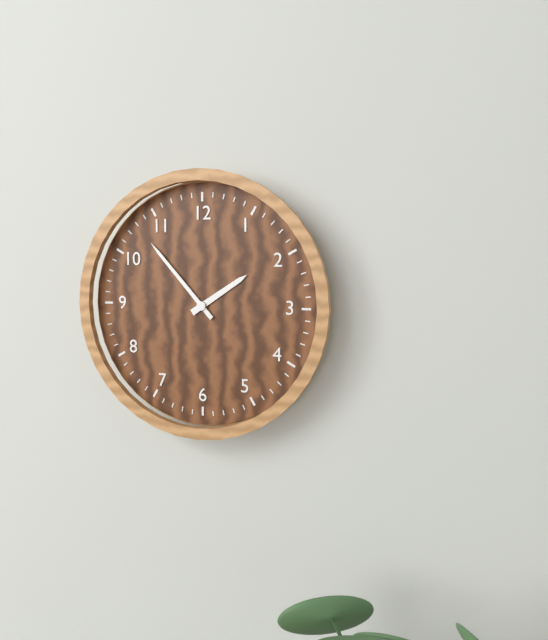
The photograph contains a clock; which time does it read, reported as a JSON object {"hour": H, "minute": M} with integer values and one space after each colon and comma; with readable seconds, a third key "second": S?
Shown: {"hour": 1, "minute": 53}
